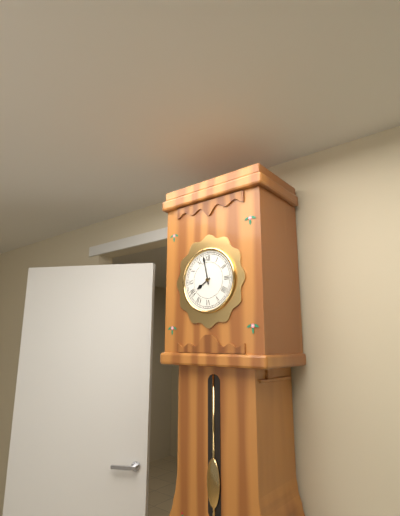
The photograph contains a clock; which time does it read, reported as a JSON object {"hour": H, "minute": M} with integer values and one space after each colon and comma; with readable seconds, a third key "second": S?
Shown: {"hour": 7, "minute": 58}
